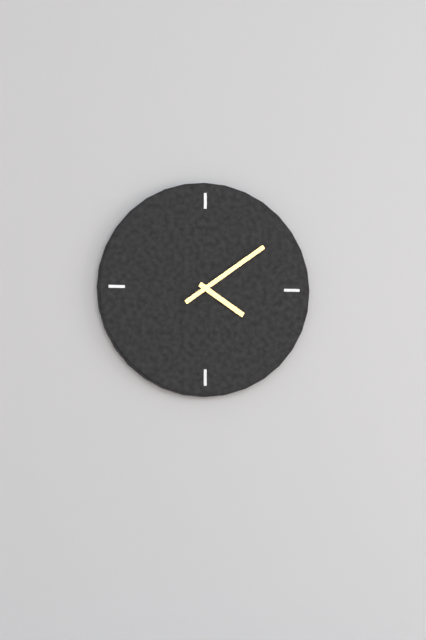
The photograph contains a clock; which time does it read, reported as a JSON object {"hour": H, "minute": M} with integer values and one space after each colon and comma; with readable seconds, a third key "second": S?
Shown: {"hour": 4, "minute": 9}
